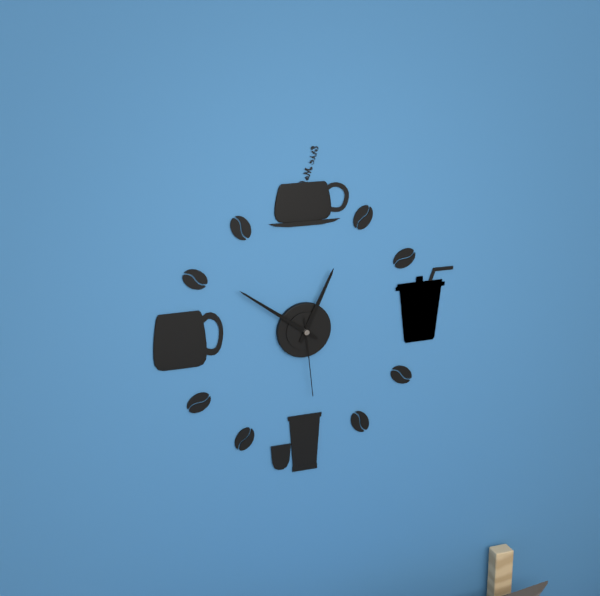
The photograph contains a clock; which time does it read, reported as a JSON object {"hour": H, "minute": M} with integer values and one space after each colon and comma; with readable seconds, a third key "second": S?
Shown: {"hour": 12, "minute": 51, "second": 29}
